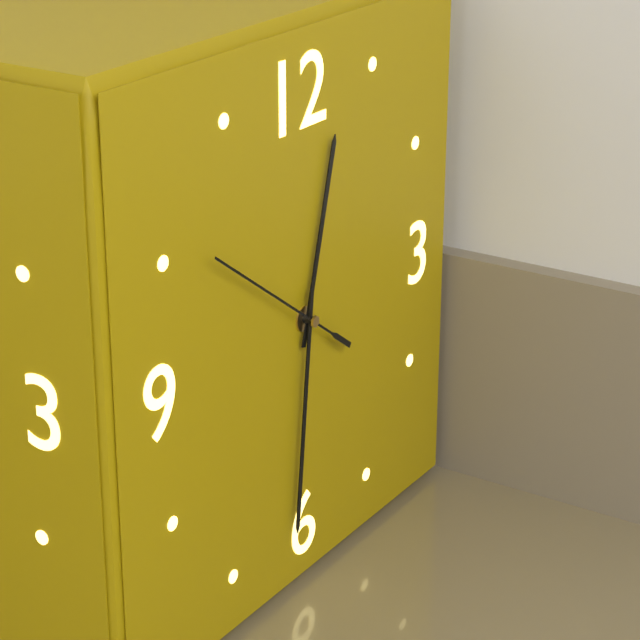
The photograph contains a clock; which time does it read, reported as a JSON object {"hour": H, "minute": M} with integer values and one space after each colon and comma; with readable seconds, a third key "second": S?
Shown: {"hour": 12, "minute": 31, "second": 51}
